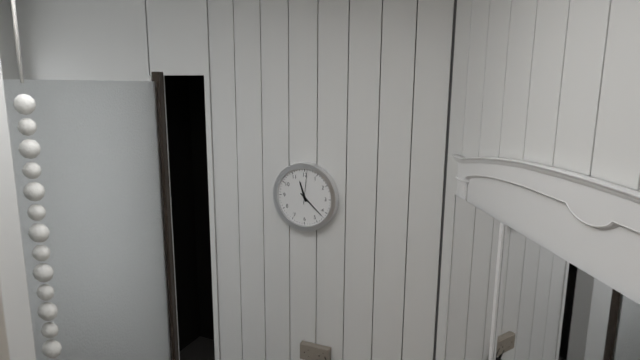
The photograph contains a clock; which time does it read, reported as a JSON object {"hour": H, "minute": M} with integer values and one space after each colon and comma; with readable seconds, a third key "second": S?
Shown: {"hour": 11, "minute": 22}
